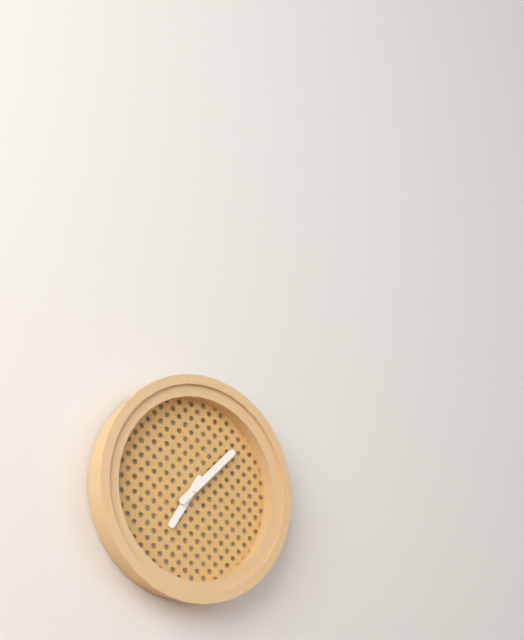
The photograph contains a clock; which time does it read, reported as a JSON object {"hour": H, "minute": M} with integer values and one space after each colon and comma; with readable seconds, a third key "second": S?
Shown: {"hour": 7, "minute": 8}
